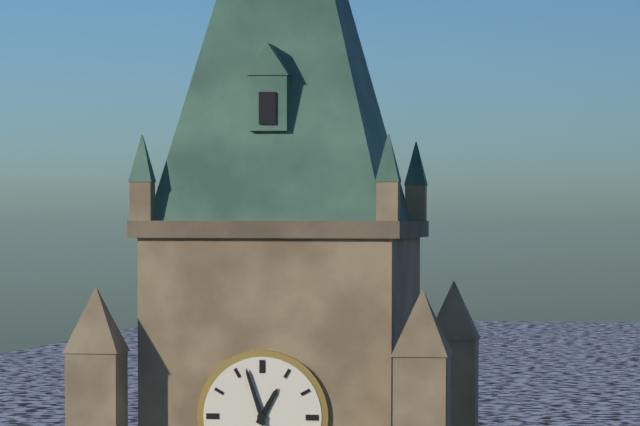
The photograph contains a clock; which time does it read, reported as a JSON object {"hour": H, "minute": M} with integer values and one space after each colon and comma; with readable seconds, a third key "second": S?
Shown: {"hour": 12, "minute": 57}
